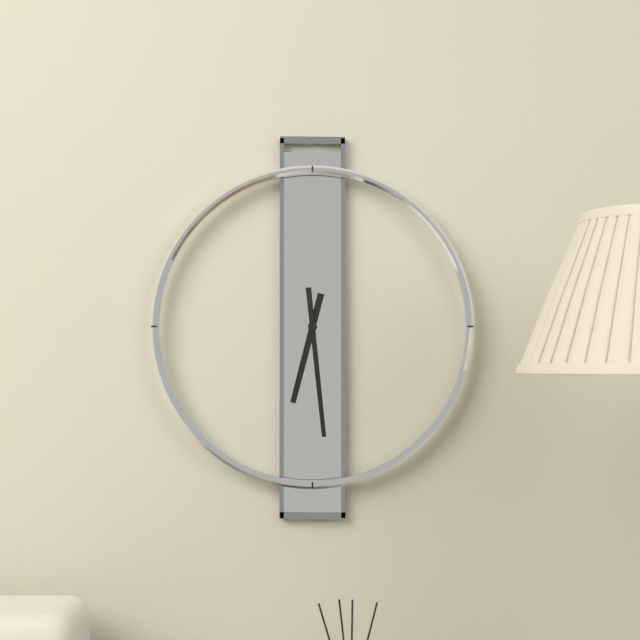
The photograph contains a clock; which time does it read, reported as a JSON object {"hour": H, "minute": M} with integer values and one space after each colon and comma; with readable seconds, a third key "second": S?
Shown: {"hour": 6, "minute": 29}
